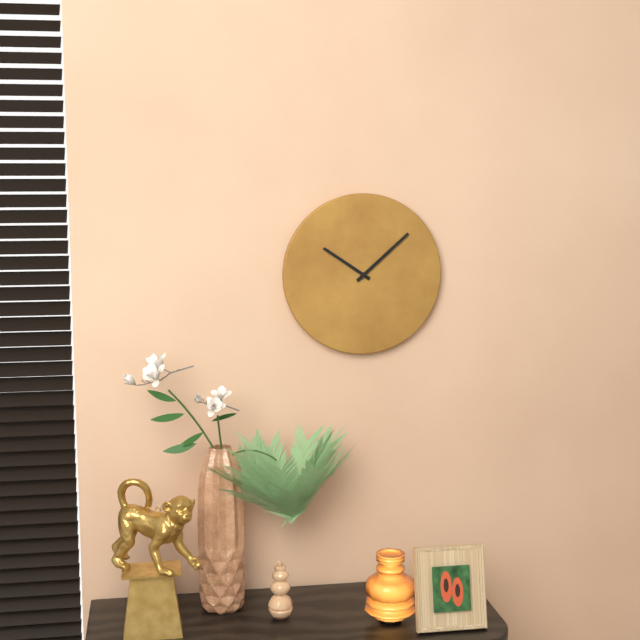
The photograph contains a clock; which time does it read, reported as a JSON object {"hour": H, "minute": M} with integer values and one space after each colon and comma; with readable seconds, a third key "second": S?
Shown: {"hour": 10, "minute": 8}
